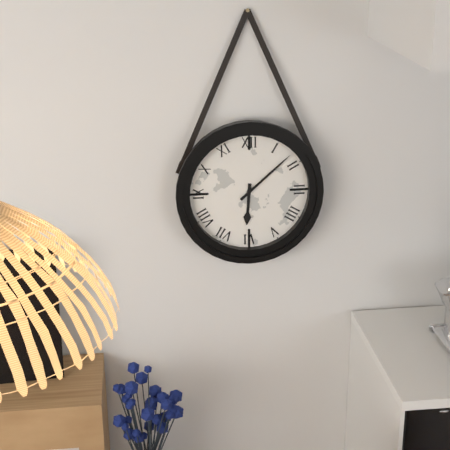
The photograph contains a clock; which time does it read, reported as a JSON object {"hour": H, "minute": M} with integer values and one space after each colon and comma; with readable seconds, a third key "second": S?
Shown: {"hour": 6, "minute": 8}
